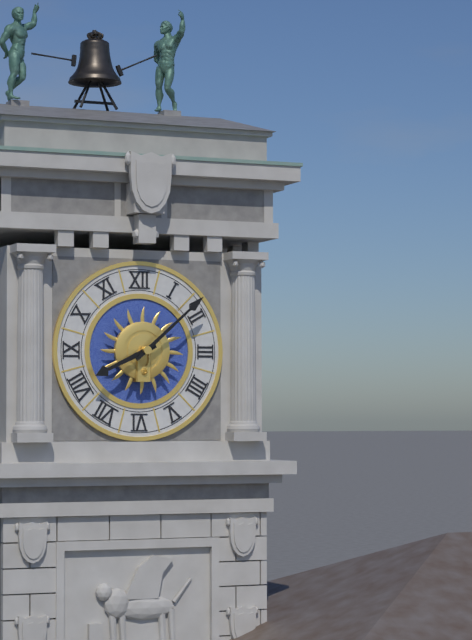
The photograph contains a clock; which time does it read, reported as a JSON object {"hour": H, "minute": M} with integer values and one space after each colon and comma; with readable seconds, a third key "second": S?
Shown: {"hour": 8, "minute": 8}
